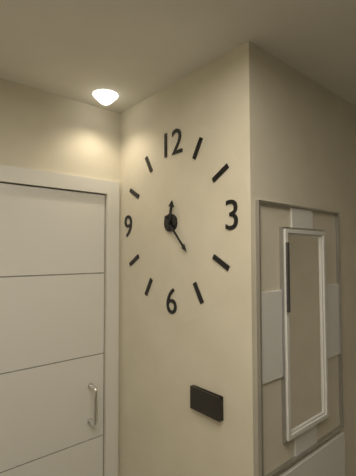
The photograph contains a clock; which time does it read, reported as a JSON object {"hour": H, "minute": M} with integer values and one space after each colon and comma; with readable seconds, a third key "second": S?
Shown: {"hour": 12, "minute": 23}
